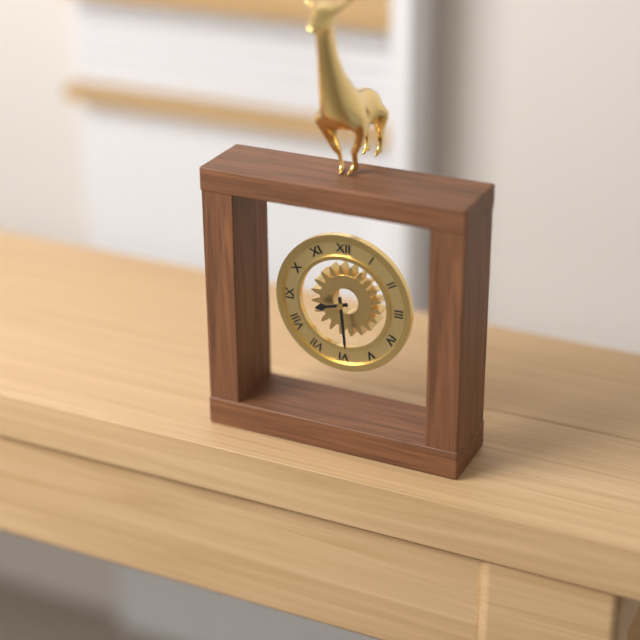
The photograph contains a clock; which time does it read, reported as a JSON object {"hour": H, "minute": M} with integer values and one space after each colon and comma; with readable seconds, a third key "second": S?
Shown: {"hour": 8, "minute": 29}
